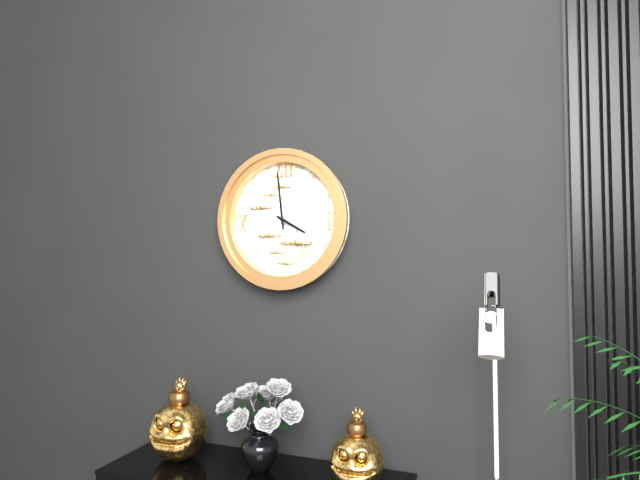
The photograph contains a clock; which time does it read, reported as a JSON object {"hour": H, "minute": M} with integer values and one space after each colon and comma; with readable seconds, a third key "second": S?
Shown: {"hour": 3, "minute": 59}
